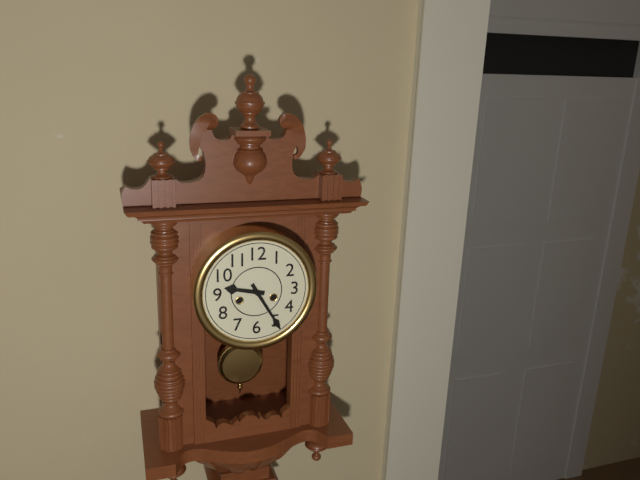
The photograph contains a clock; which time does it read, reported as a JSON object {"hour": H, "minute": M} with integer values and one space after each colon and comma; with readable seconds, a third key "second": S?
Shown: {"hour": 9, "minute": 25}
